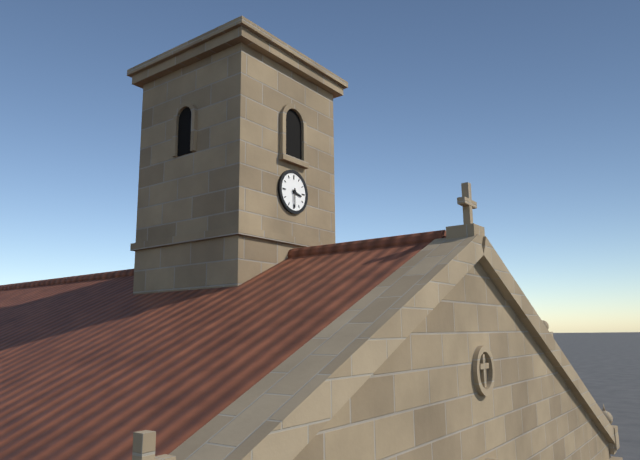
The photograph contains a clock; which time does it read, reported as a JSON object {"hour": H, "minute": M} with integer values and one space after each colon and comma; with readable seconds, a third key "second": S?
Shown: {"hour": 3, "minute": 30}
